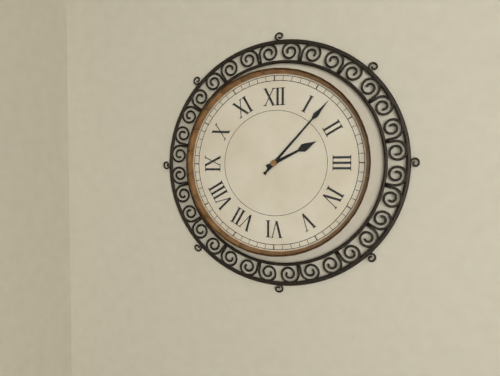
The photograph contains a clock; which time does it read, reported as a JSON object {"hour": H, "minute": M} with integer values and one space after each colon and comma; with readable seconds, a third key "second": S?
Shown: {"hour": 2, "minute": 7}
